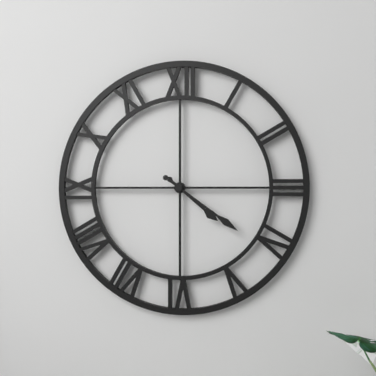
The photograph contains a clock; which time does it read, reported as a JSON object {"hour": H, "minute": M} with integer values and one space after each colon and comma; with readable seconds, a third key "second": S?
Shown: {"hour": 4, "minute": 21}
